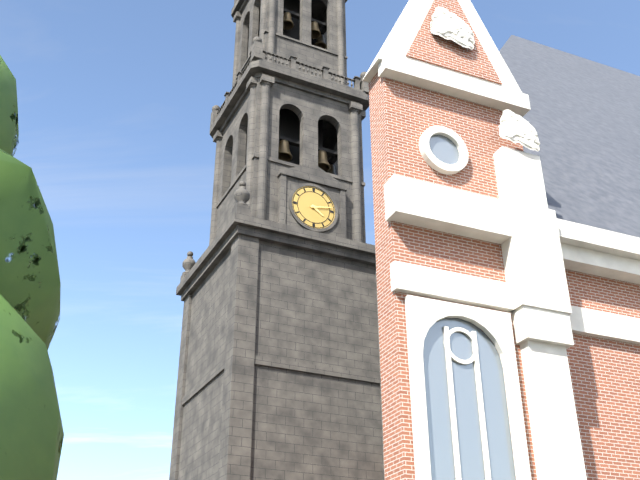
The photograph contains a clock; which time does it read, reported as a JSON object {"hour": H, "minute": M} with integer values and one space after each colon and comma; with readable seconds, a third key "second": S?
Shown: {"hour": 4, "minute": 13}
